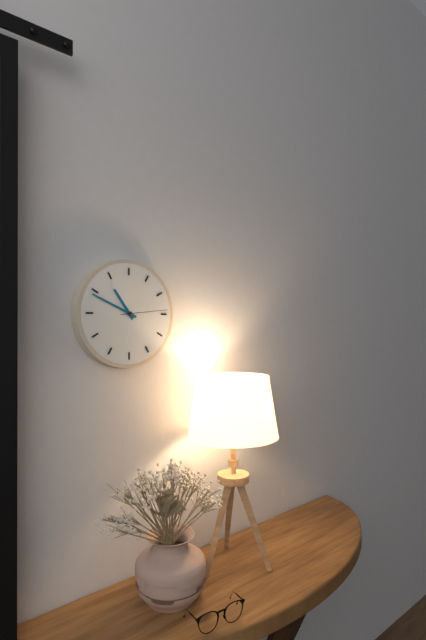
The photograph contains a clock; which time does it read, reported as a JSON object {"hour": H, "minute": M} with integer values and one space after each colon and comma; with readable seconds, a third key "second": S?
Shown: {"hour": 10, "minute": 49}
